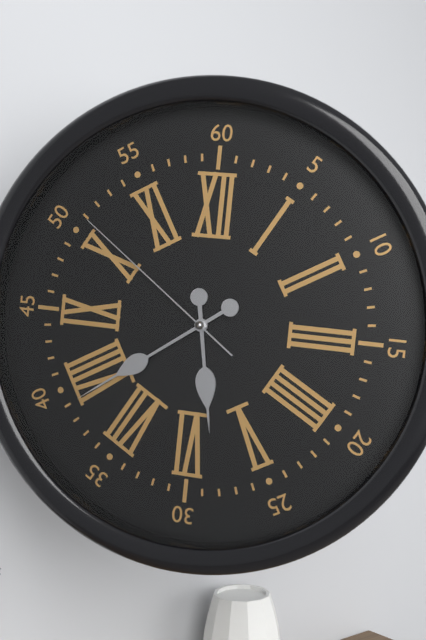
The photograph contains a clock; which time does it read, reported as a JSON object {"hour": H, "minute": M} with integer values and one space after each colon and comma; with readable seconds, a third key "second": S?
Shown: {"hour": 5, "minute": 39, "second": 51}
